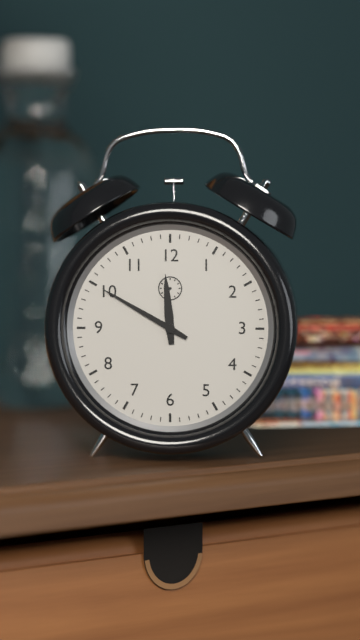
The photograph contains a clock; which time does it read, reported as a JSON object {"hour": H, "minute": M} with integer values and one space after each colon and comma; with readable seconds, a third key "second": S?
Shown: {"hour": 11, "minute": 50}
